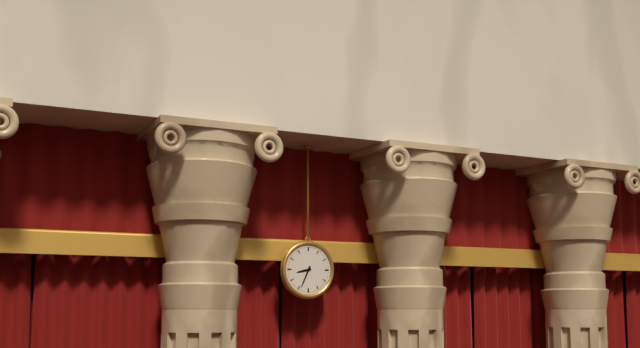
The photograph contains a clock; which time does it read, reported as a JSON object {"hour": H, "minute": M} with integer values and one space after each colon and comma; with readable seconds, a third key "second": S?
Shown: {"hour": 8, "minute": 34}
